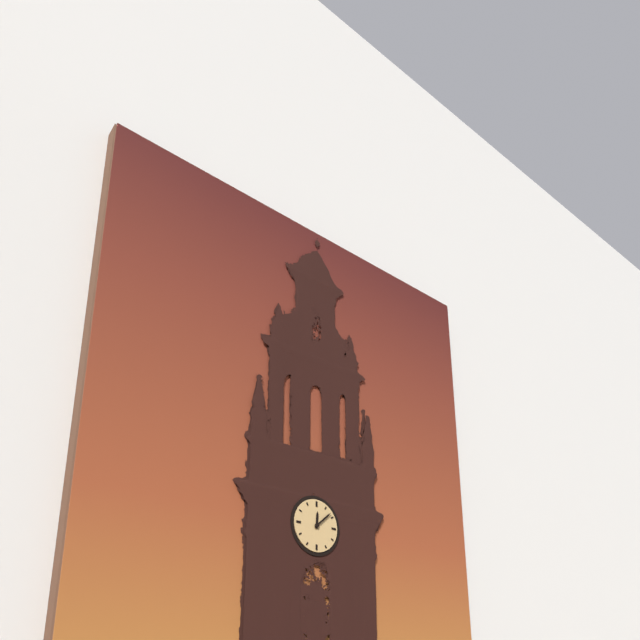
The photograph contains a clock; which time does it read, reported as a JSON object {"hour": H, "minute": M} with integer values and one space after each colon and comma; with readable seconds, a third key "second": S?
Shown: {"hour": 12, "minute": 8}
